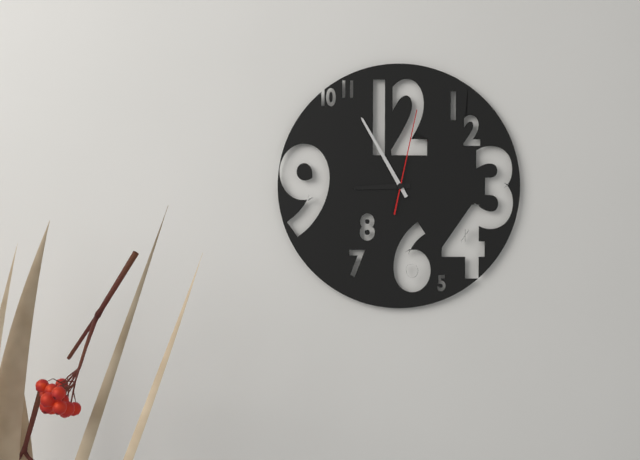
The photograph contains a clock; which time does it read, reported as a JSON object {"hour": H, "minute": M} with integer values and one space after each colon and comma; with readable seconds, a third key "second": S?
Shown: {"hour": 8, "minute": 55, "second": 2}
